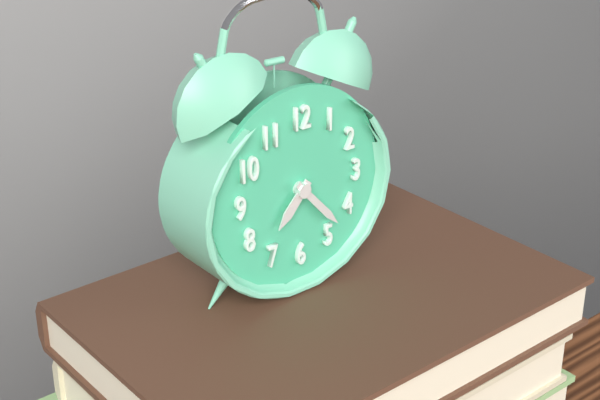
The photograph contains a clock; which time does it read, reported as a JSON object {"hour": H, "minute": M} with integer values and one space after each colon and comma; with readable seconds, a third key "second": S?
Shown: {"hour": 7, "minute": 23}
